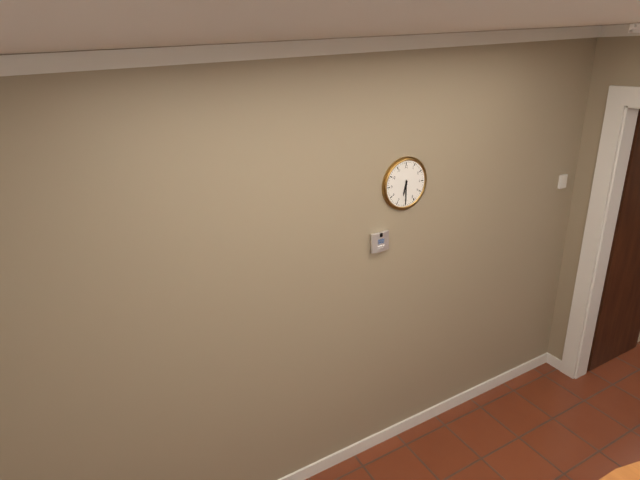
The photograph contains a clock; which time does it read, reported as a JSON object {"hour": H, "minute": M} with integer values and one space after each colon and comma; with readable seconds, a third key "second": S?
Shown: {"hour": 6, "minute": 30}
